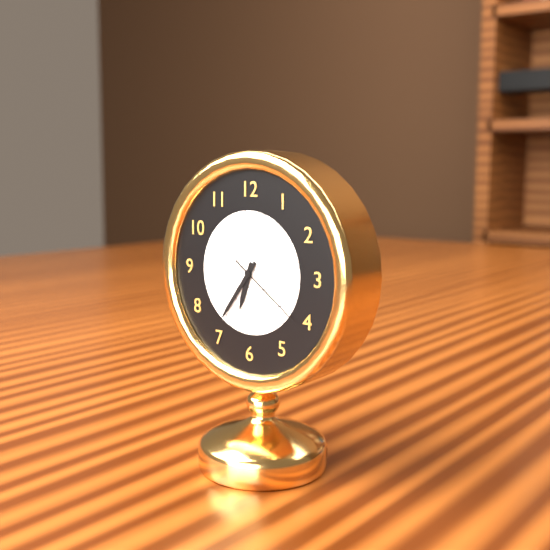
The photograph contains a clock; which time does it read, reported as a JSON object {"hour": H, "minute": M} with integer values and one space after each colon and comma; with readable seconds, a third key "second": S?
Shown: {"hour": 6, "minute": 36, "second": 21}
